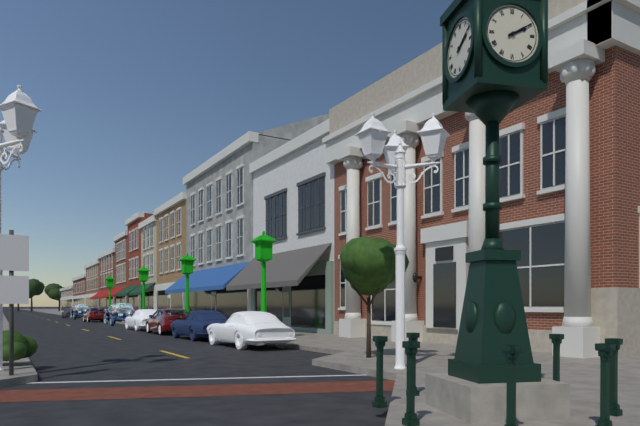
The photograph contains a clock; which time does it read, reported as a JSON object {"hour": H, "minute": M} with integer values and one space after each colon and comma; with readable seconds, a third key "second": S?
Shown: {"hour": 2, "minute": 10}
